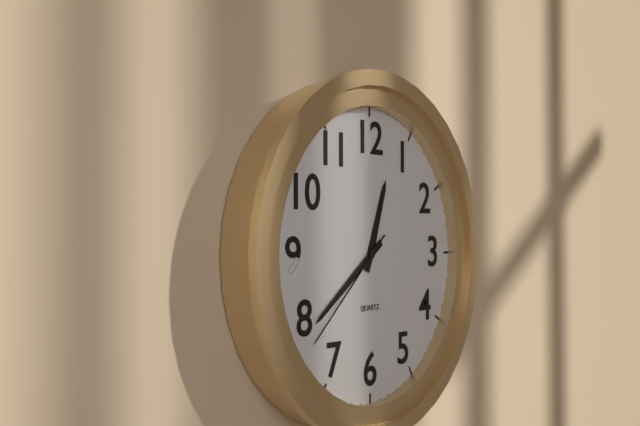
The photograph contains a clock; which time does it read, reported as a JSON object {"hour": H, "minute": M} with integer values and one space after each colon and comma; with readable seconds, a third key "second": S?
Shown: {"hour": 12, "minute": 39, "second": 38}
